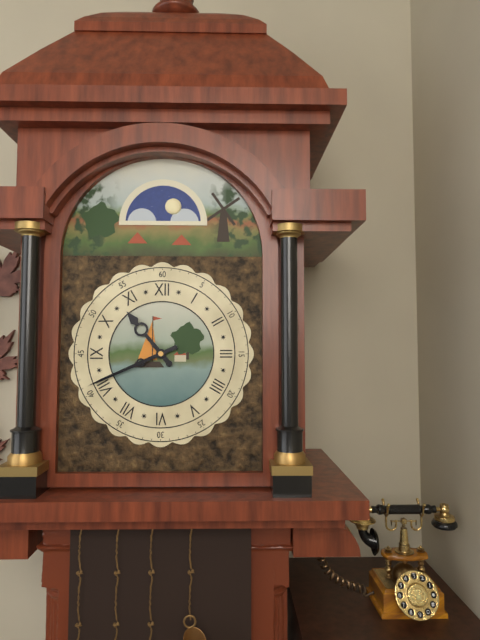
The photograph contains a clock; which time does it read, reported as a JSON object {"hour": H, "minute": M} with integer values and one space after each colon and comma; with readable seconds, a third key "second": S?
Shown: {"hour": 10, "minute": 41}
